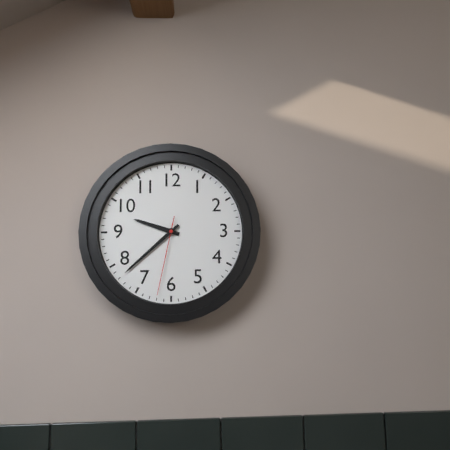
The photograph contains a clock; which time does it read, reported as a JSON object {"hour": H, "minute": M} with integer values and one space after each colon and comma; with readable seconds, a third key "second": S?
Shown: {"hour": 9, "minute": 38, "second": 32}
